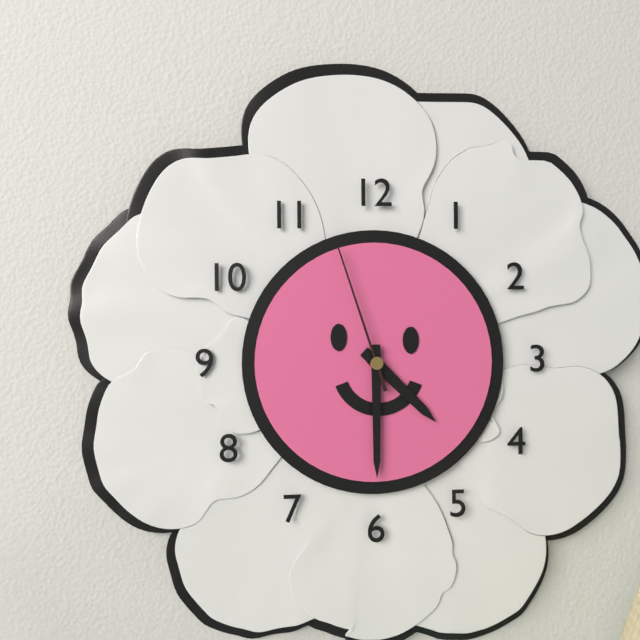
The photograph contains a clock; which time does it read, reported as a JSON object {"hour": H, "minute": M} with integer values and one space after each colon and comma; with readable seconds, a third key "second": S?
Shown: {"hour": 4, "minute": 30, "second": 57}
